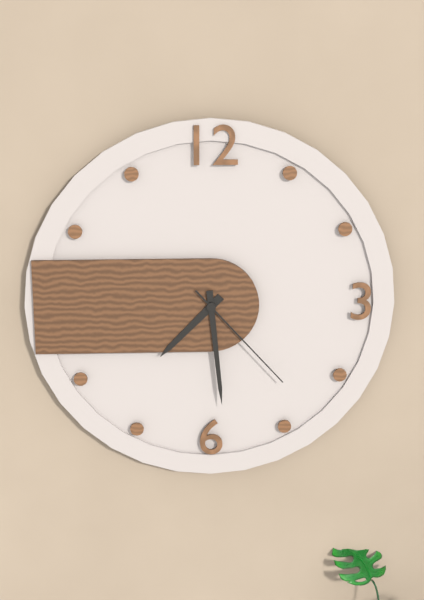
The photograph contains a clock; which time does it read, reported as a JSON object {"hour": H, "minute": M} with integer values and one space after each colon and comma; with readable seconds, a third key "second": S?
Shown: {"hour": 7, "minute": 29, "second": 23}
